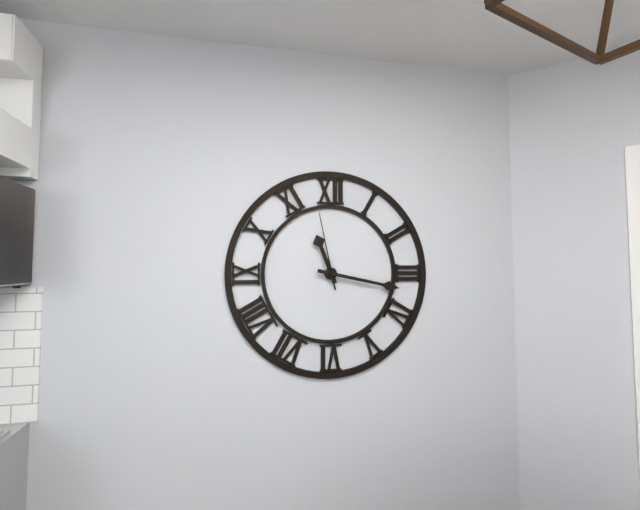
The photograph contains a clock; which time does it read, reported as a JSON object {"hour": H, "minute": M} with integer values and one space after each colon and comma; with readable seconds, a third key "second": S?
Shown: {"hour": 11, "minute": 17, "second": 58}
